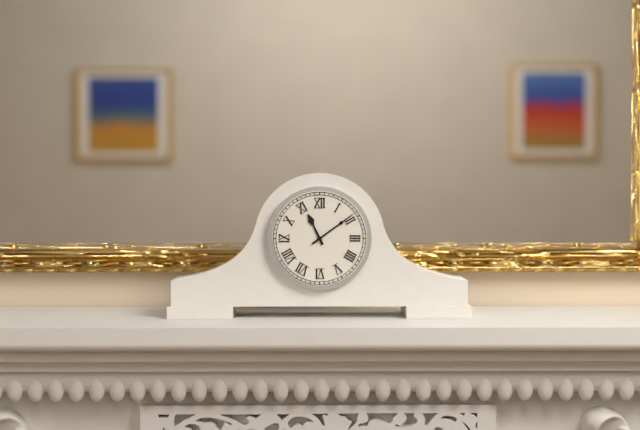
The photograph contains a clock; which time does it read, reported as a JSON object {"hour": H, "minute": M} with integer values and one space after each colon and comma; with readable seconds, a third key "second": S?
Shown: {"hour": 11, "minute": 9}
